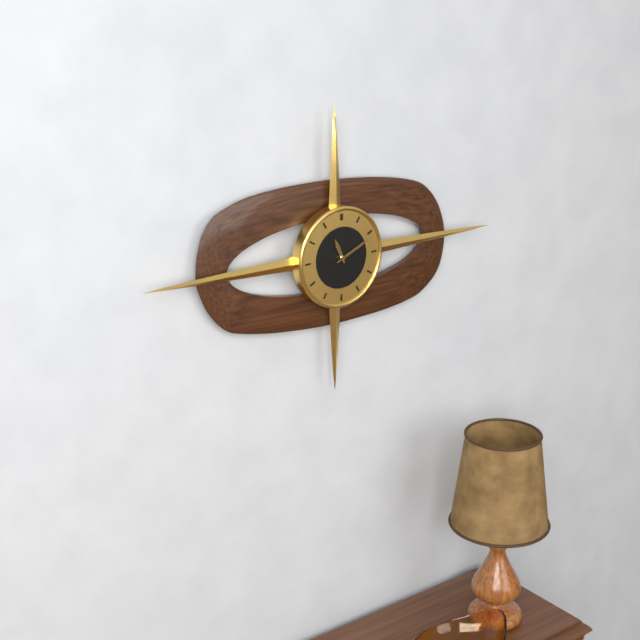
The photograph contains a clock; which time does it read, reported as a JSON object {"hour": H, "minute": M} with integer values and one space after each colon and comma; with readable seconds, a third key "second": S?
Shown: {"hour": 11, "minute": 11}
